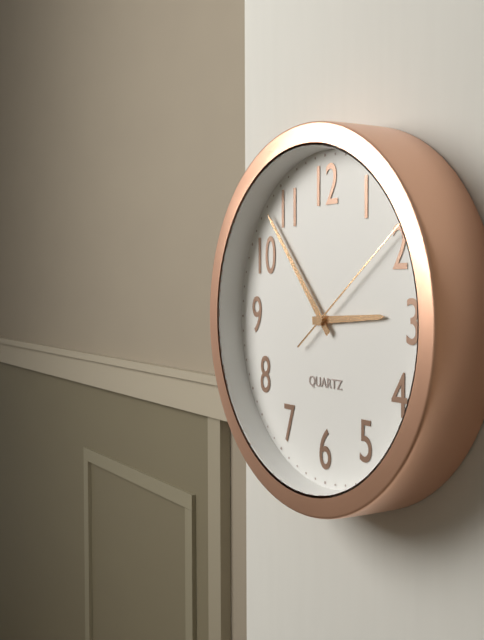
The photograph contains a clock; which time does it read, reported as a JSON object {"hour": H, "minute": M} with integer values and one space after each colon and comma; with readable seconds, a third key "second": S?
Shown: {"hour": 2, "minute": 53, "second": 9}
